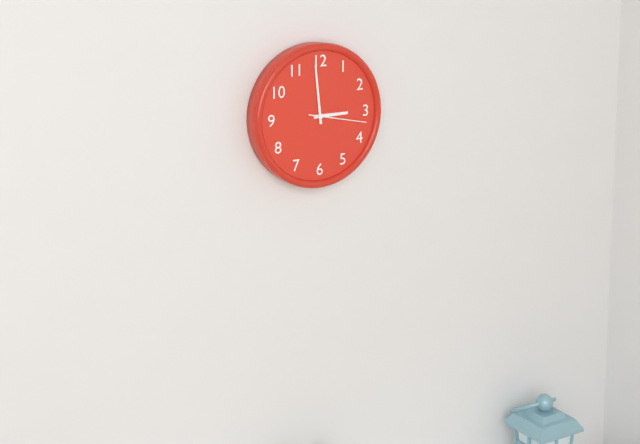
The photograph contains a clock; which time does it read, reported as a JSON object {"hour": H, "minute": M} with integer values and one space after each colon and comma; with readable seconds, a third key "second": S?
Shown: {"hour": 2, "minute": 59, "second": 17}
